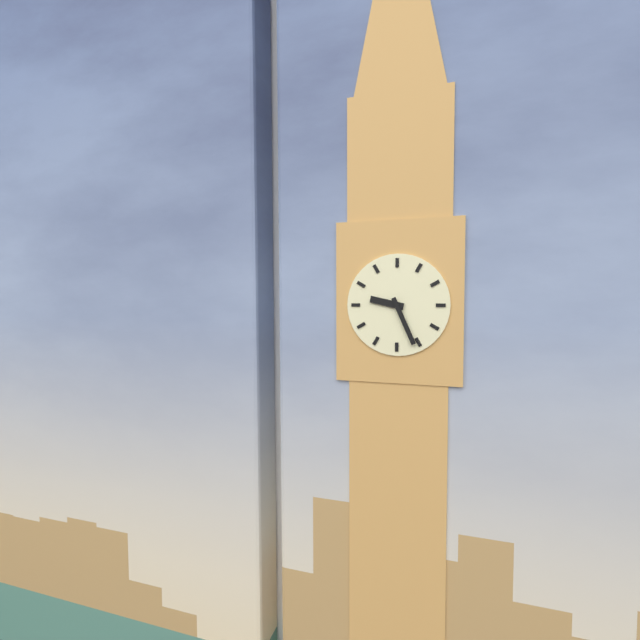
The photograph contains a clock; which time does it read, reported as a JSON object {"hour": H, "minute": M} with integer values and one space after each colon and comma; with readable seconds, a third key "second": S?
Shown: {"hour": 9, "minute": 26}
